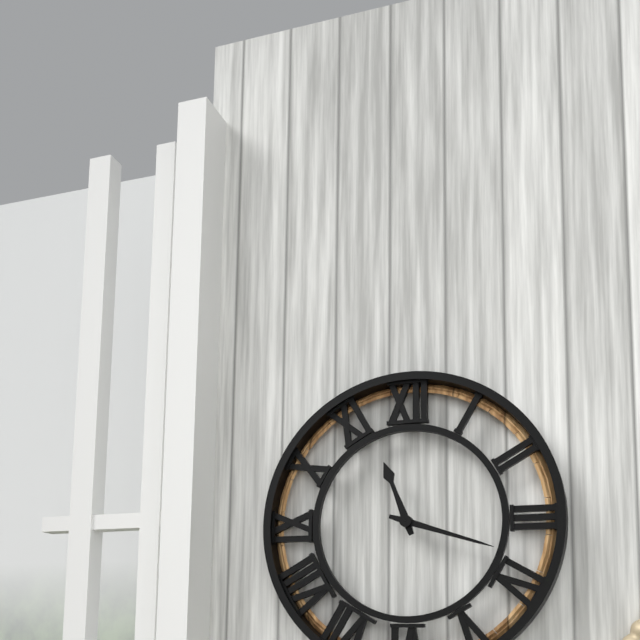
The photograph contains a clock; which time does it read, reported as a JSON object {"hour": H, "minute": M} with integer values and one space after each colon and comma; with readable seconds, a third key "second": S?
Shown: {"hour": 11, "minute": 18}
